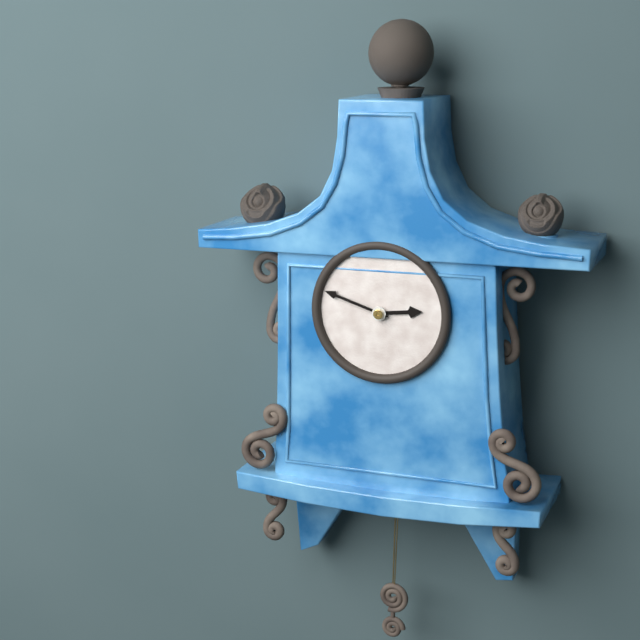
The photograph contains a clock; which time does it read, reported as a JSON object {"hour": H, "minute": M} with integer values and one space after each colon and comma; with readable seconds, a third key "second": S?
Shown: {"hour": 2, "minute": 48}
